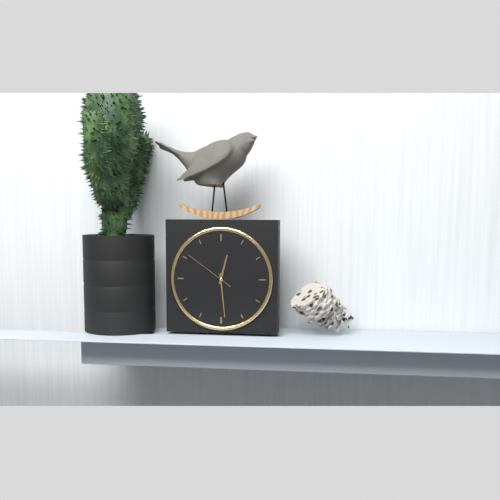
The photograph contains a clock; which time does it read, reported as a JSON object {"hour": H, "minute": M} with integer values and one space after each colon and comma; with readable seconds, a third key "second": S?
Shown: {"hour": 12, "minute": 29, "second": 51}
